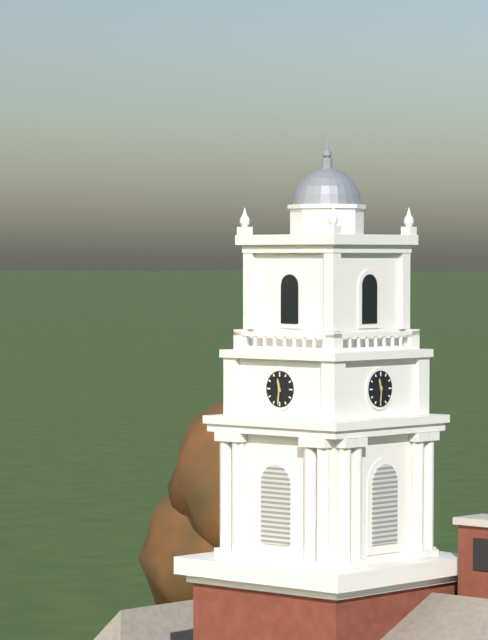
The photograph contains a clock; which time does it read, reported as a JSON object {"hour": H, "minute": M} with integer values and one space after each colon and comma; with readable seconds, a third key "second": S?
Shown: {"hour": 11, "minute": 31}
